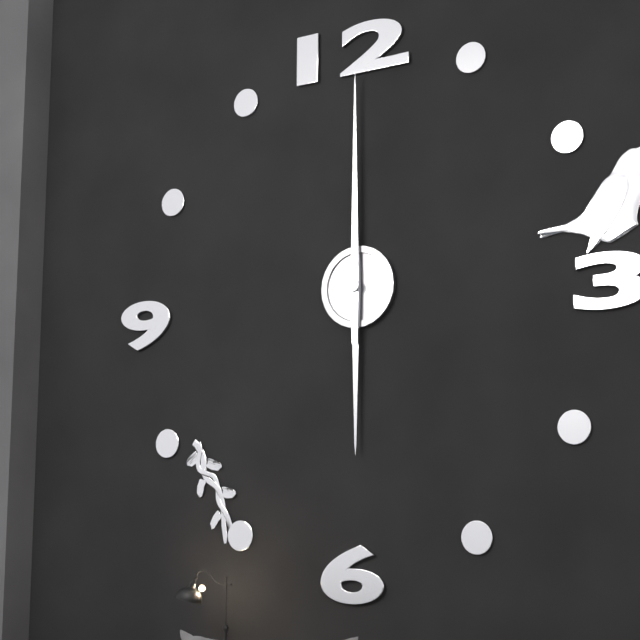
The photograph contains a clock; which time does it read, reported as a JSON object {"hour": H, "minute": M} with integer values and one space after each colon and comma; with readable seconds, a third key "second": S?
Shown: {"hour": 6, "minute": 0}
